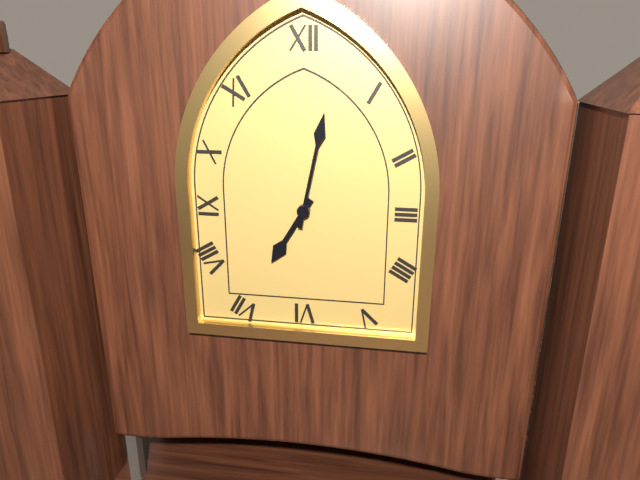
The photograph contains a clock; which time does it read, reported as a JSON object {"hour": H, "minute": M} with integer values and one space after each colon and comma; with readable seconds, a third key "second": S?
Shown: {"hour": 7, "minute": 2}
